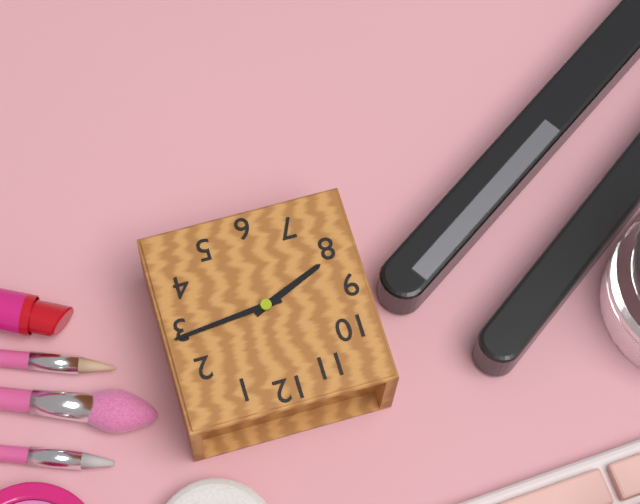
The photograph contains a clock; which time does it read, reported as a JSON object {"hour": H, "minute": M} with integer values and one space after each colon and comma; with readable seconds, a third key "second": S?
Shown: {"hour": 8, "minute": 14}
